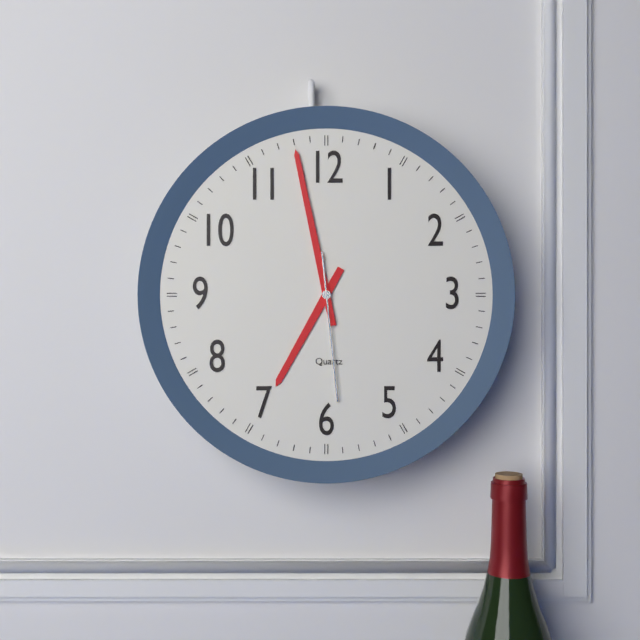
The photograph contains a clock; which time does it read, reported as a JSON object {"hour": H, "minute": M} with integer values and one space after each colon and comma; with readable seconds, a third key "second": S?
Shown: {"hour": 6, "minute": 58, "second": 29}
